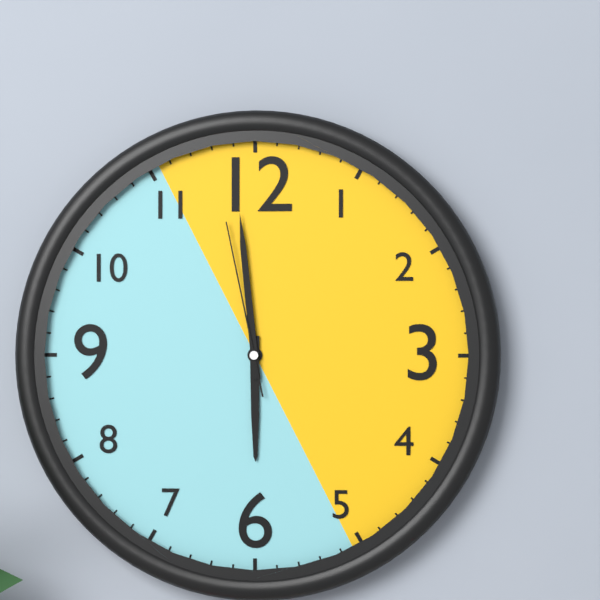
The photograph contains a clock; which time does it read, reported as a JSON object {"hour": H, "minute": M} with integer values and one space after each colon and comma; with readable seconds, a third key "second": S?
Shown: {"hour": 5, "minute": 59, "second": 58}
